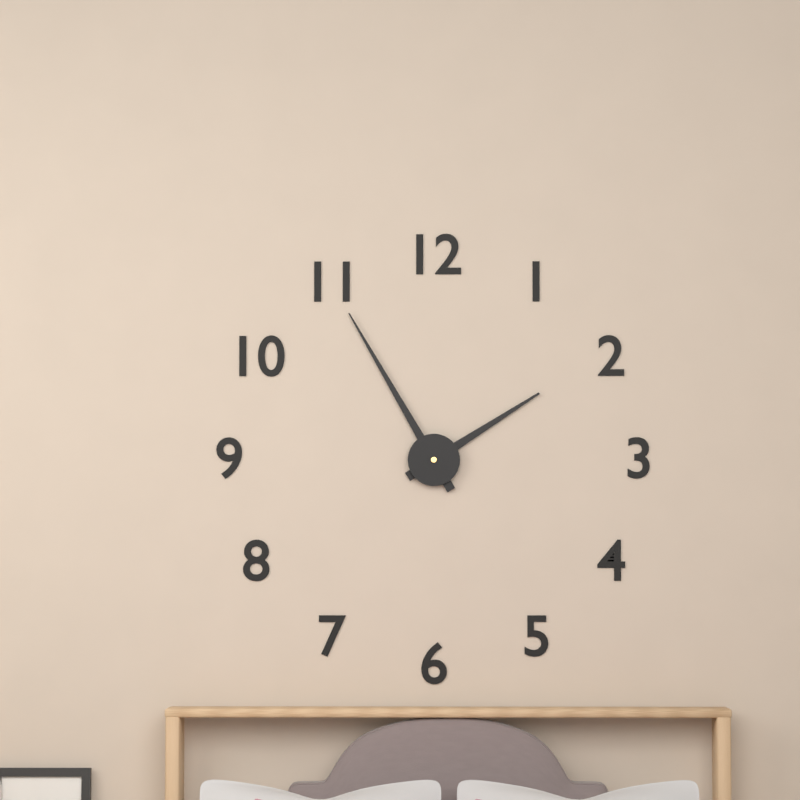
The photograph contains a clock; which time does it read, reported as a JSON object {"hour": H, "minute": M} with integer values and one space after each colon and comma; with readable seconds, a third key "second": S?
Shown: {"hour": 1, "minute": 55}
